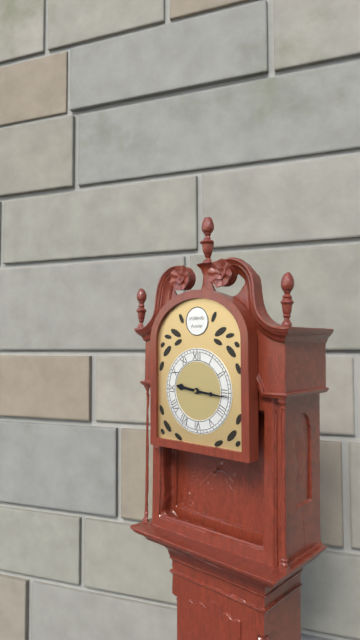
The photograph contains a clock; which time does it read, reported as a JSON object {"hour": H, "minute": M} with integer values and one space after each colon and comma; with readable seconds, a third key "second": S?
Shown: {"hour": 9, "minute": 16}
